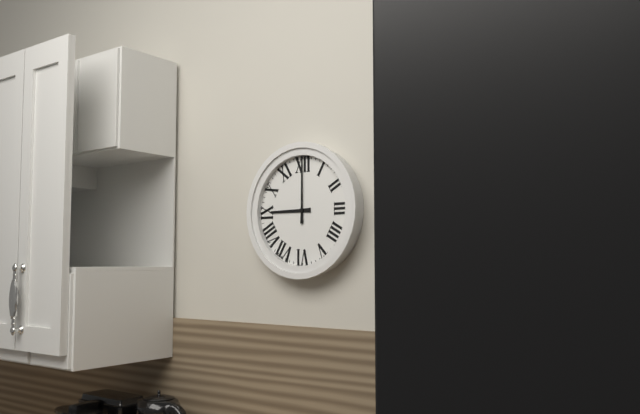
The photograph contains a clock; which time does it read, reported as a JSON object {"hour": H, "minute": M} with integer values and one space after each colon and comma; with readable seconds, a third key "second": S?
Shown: {"hour": 9, "minute": 0}
